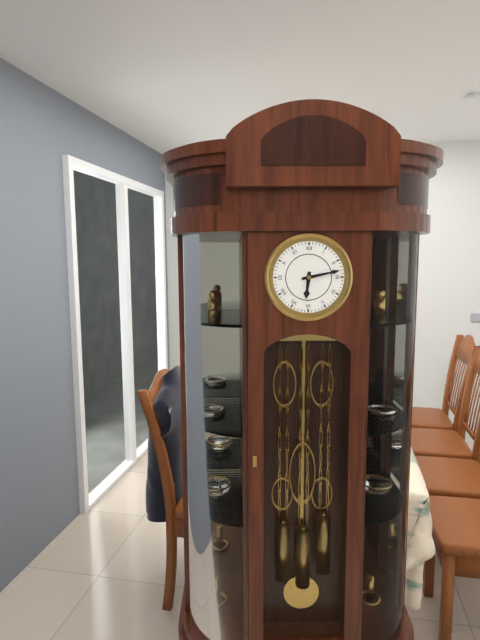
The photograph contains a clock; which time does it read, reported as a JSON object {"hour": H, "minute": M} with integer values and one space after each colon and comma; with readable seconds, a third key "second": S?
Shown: {"hour": 6, "minute": 13}
